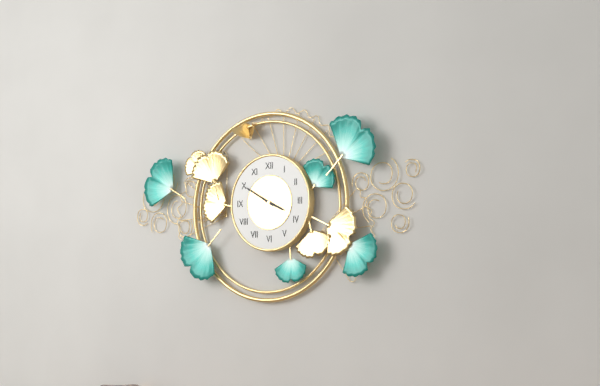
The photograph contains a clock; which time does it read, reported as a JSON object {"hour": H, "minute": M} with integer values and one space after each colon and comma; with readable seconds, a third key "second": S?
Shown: {"hour": 3, "minute": 50}
